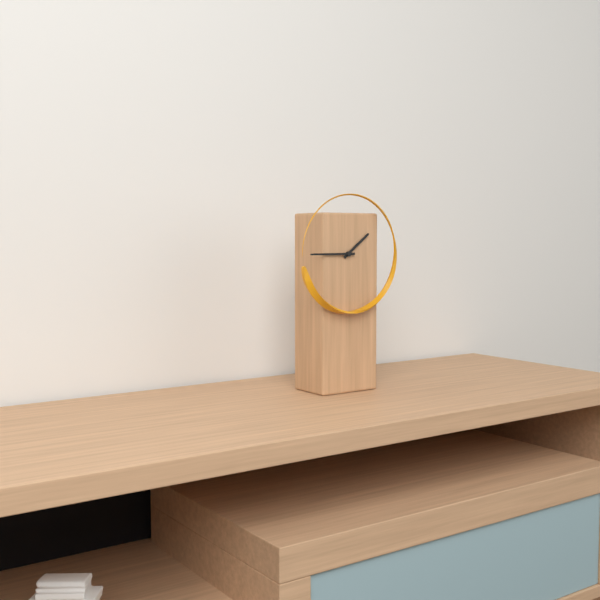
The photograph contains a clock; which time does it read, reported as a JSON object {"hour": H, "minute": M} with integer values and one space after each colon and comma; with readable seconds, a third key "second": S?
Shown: {"hour": 1, "minute": 45}
